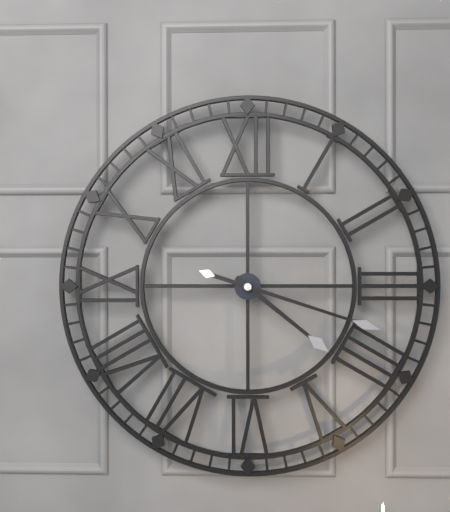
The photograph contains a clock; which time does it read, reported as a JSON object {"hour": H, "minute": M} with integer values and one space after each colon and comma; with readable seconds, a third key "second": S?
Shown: {"hour": 4, "minute": 18}
